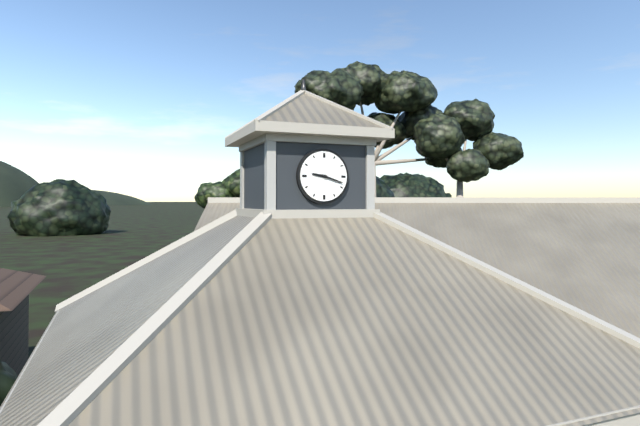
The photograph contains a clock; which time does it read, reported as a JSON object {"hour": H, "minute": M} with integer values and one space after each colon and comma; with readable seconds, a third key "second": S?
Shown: {"hour": 9, "minute": 18}
